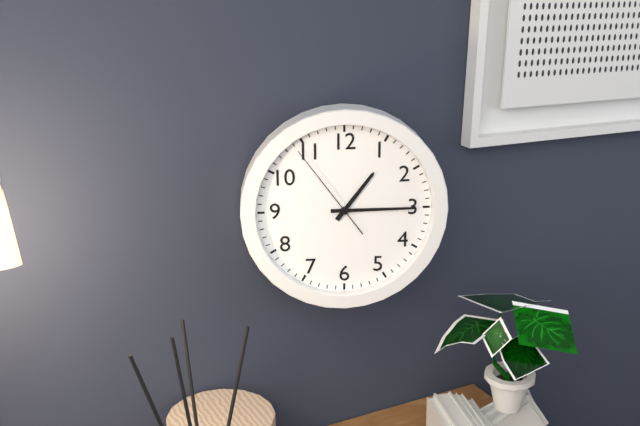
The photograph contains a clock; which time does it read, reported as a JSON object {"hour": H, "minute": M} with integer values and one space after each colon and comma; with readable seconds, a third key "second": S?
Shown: {"hour": 1, "minute": 15, "second": 54}
